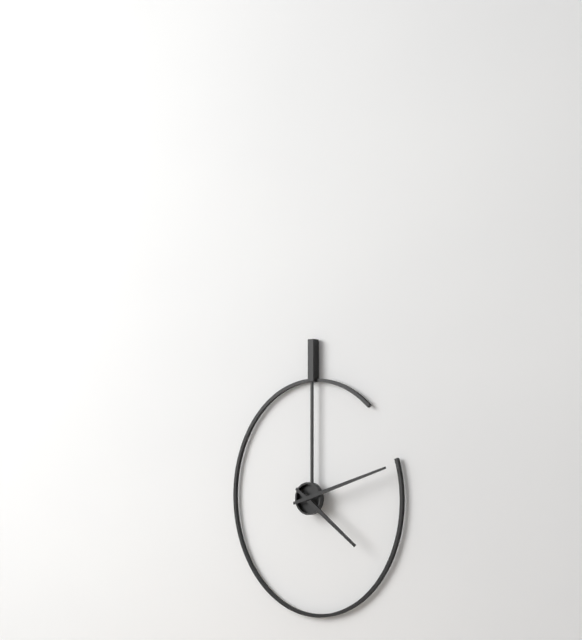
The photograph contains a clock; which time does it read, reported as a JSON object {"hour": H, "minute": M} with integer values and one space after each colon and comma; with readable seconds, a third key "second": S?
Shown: {"hour": 4, "minute": 12}
